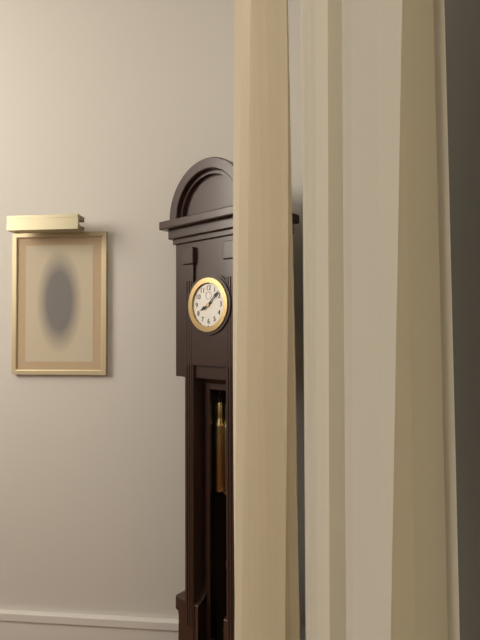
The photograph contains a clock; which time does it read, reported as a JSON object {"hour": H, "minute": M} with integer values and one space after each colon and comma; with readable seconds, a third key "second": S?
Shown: {"hour": 8, "minute": 8}
